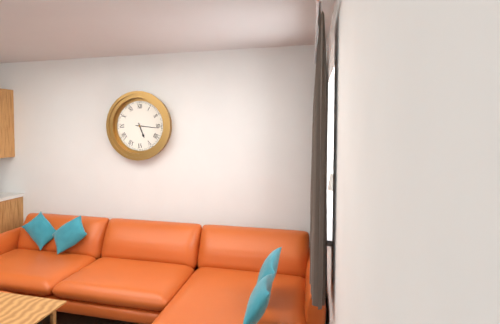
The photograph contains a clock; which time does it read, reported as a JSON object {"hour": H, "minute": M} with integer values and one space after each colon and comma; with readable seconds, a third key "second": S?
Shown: {"hour": 5, "minute": 16}
